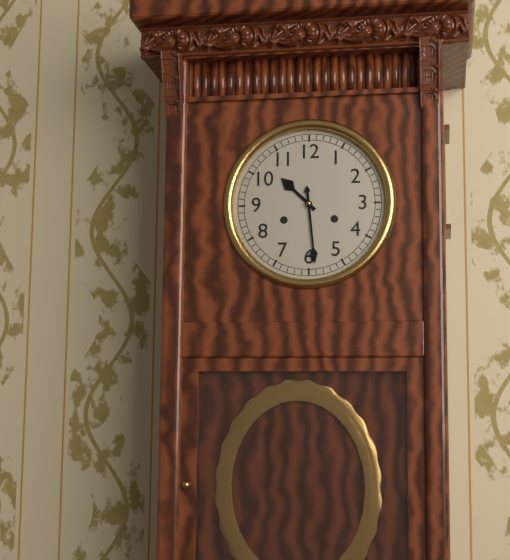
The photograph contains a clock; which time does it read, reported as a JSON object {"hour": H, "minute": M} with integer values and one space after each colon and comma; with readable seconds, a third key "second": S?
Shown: {"hour": 10, "minute": 29}
